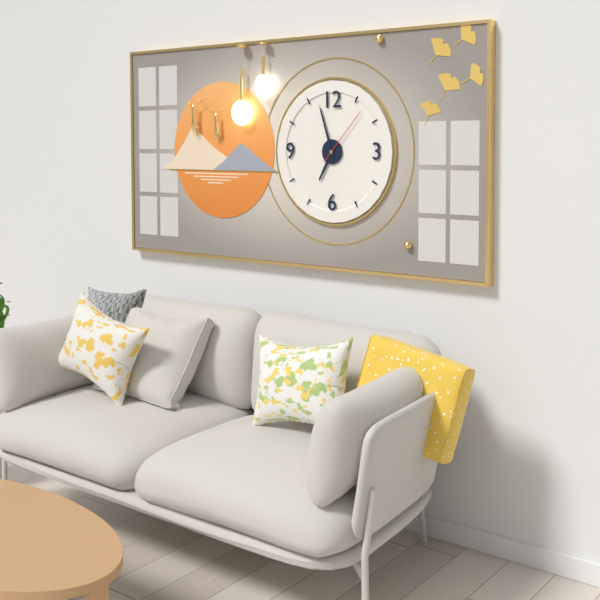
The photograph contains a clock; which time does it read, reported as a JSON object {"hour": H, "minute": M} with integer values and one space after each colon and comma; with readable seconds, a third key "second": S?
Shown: {"hour": 6, "minute": 57, "second": 7}
